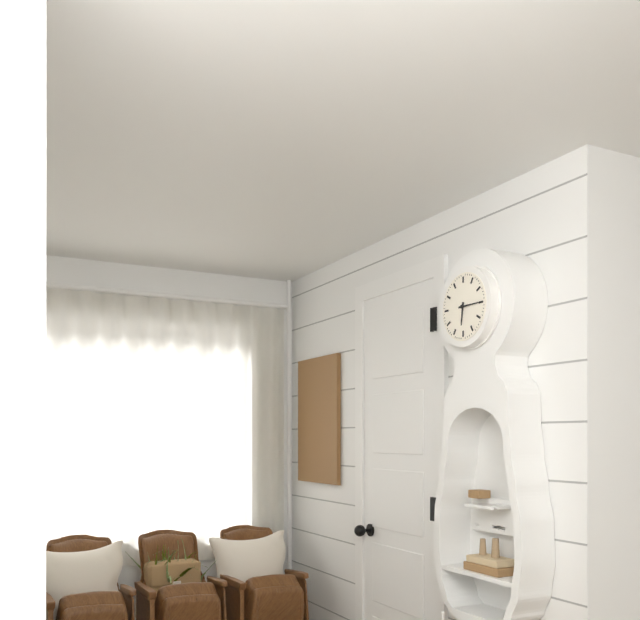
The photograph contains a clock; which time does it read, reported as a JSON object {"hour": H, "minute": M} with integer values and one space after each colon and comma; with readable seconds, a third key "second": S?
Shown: {"hour": 6, "minute": 15}
